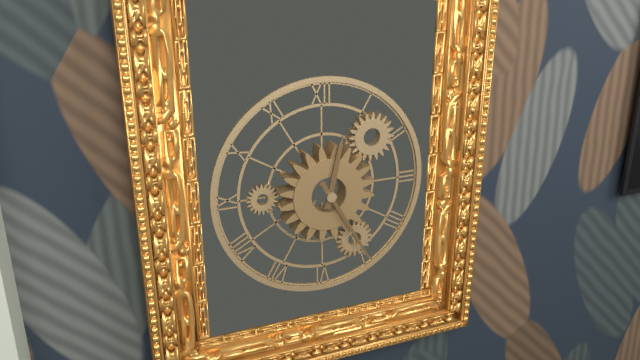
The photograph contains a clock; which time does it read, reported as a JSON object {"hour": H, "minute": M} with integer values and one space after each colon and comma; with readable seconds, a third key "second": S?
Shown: {"hour": 12, "minute": 25}
